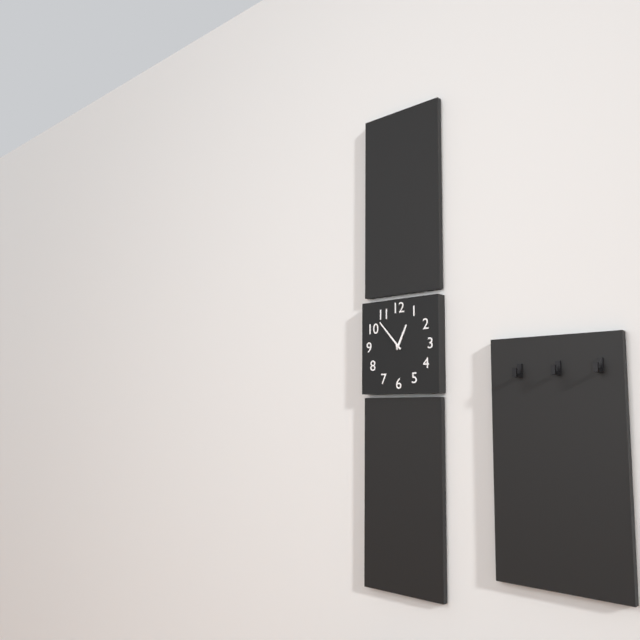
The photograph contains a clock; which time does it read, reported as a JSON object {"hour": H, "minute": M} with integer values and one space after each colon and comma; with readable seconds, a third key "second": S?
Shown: {"hour": 12, "minute": 53}
